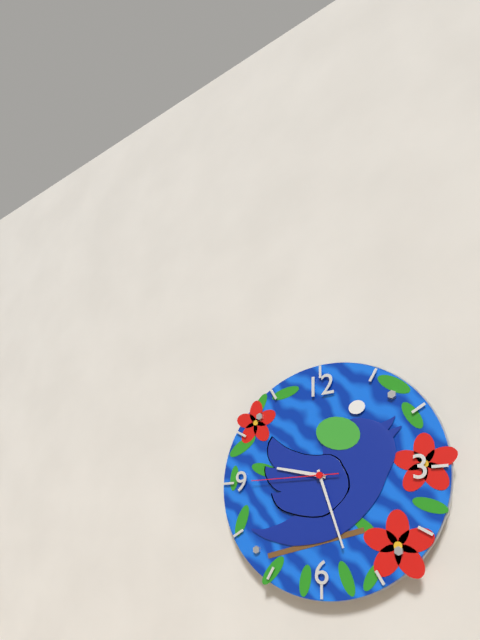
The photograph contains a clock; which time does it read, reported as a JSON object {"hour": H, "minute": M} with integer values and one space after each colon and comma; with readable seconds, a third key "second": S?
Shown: {"hour": 9, "minute": 27, "second": 45}
